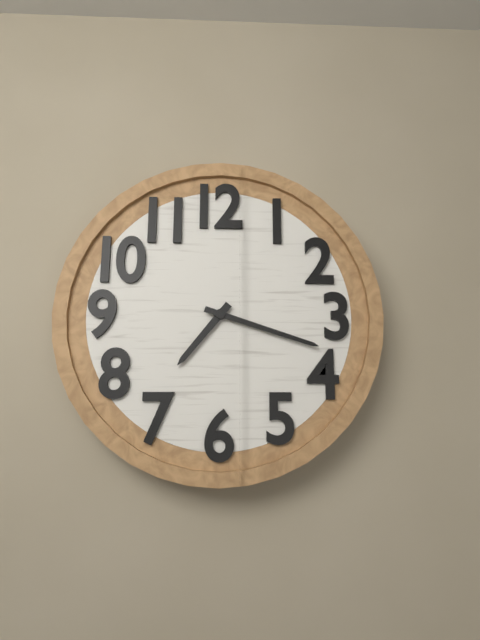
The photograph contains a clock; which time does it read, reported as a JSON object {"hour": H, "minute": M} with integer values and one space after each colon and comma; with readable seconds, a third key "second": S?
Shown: {"hour": 7, "minute": 18}
